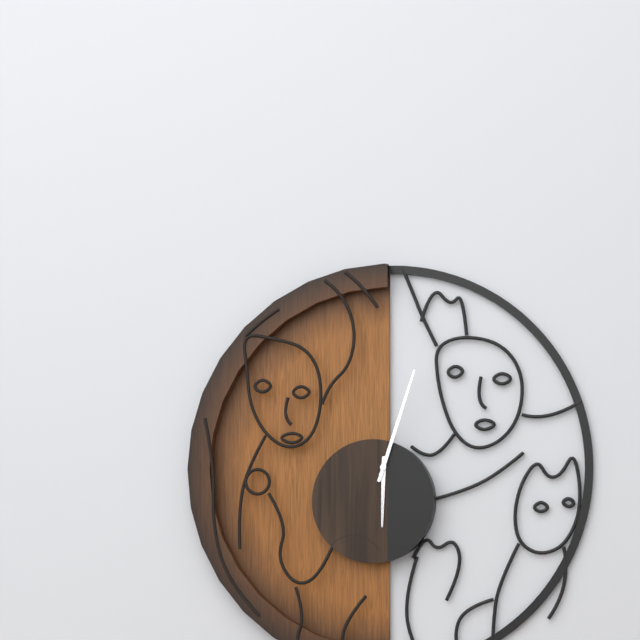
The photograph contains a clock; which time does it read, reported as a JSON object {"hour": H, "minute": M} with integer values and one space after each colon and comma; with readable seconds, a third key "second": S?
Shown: {"hour": 6, "minute": 3}
